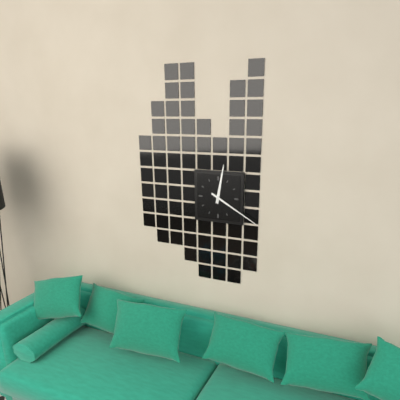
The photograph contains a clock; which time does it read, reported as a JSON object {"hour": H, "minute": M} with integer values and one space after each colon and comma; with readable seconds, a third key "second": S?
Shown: {"hour": 12, "minute": 20}
